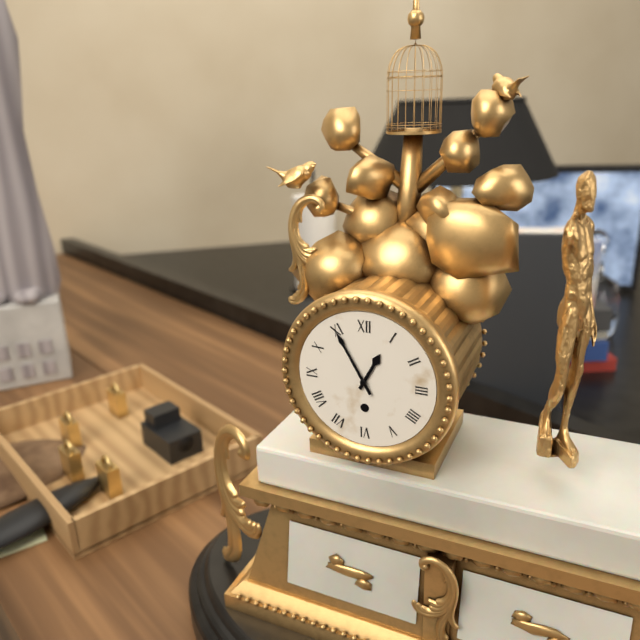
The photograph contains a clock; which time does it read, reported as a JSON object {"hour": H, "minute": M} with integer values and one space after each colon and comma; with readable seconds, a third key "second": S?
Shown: {"hour": 12, "minute": 55}
